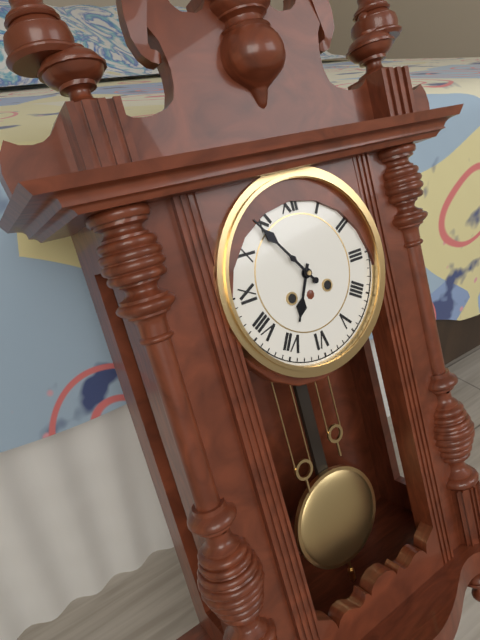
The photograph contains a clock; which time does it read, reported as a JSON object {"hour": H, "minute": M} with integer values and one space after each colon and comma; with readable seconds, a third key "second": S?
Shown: {"hour": 6, "minute": 54}
